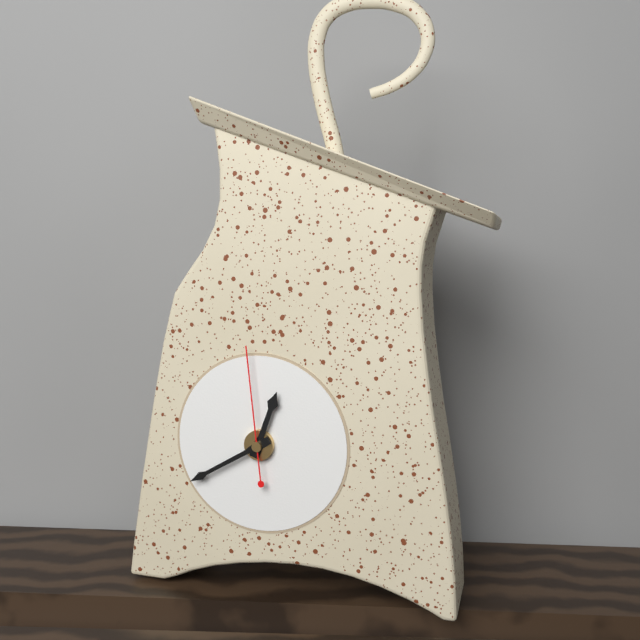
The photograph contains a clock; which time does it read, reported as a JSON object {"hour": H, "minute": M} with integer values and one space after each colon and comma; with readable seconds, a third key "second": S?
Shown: {"hour": 12, "minute": 40, "second": 59}
